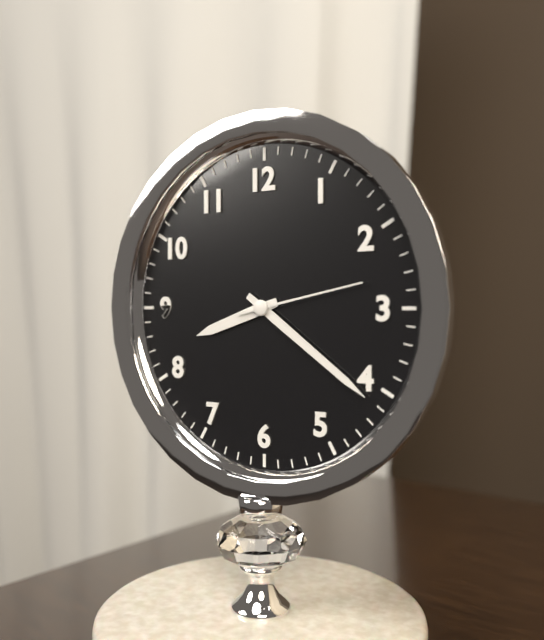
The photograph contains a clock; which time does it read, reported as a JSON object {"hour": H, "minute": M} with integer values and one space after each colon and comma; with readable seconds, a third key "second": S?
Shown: {"hour": 8, "minute": 21, "second": 13}
